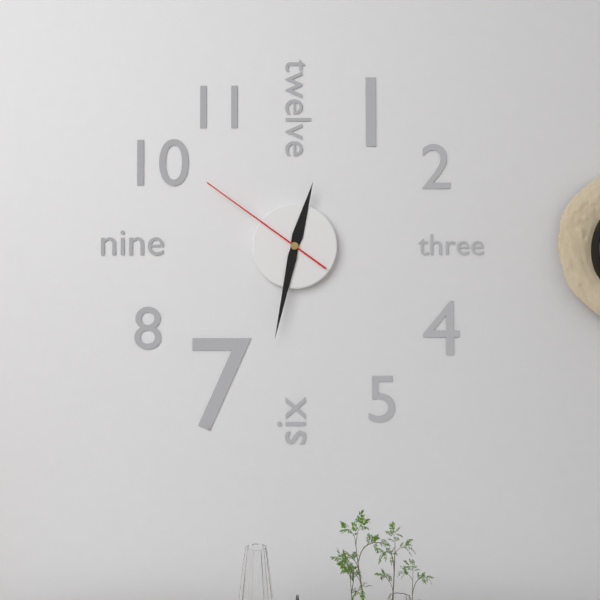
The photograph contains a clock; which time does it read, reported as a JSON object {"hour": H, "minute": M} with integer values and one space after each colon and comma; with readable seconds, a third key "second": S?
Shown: {"hour": 12, "minute": 32, "second": 51}
